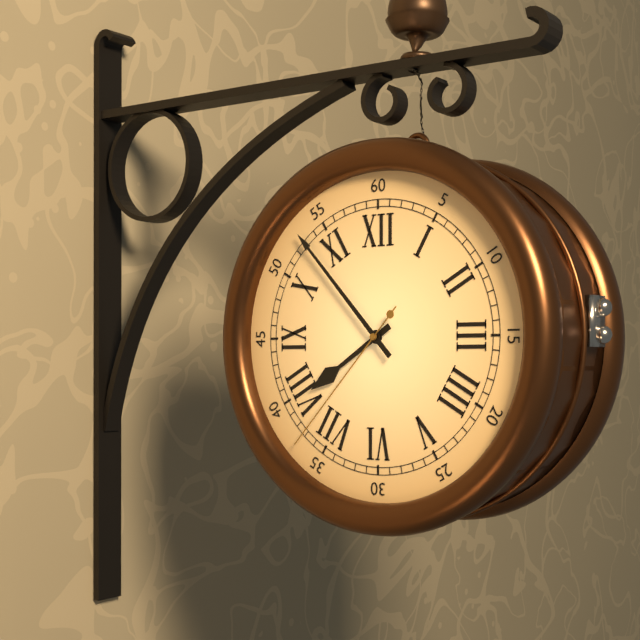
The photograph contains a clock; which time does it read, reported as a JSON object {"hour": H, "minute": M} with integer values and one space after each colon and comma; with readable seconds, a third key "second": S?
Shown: {"hour": 7, "minute": 53, "second": 37}
